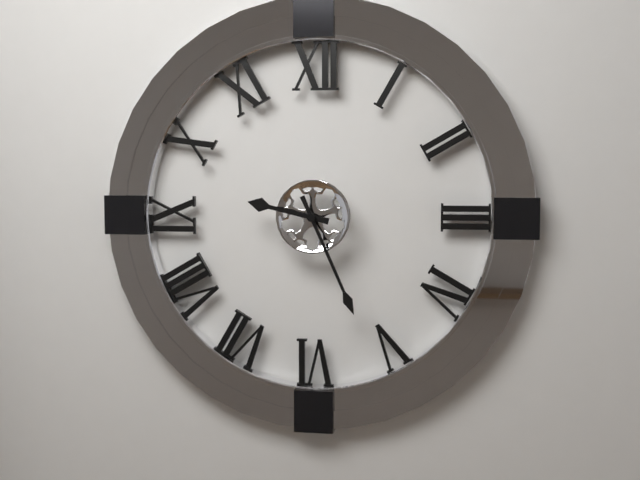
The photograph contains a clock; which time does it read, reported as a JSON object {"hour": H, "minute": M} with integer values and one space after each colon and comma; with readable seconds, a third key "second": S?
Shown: {"hour": 9, "minute": 26}
